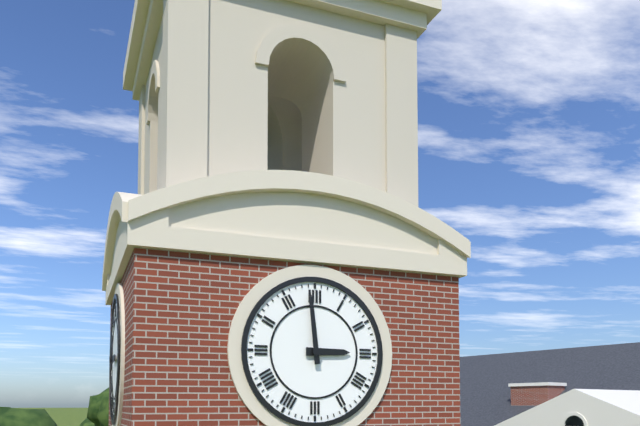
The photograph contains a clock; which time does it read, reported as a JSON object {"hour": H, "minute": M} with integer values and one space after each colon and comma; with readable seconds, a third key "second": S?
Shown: {"hour": 2, "minute": 59}
